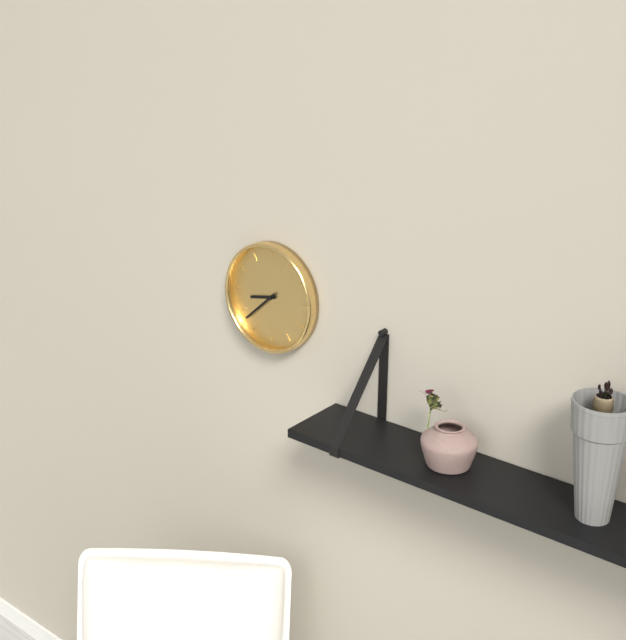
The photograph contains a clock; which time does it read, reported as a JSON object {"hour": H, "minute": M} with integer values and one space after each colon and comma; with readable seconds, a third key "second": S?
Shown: {"hour": 8, "minute": 38}
